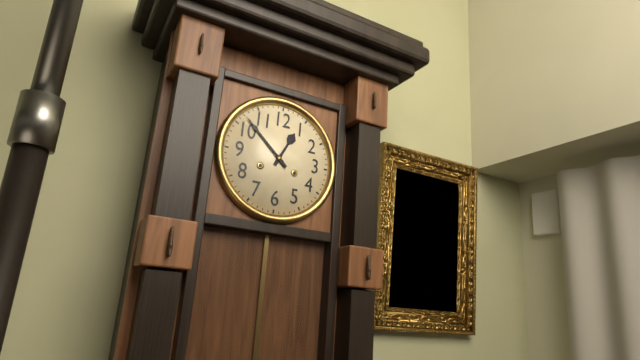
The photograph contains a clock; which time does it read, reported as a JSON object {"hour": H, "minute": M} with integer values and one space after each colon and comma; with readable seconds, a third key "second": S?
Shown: {"hour": 12, "minute": 52}
